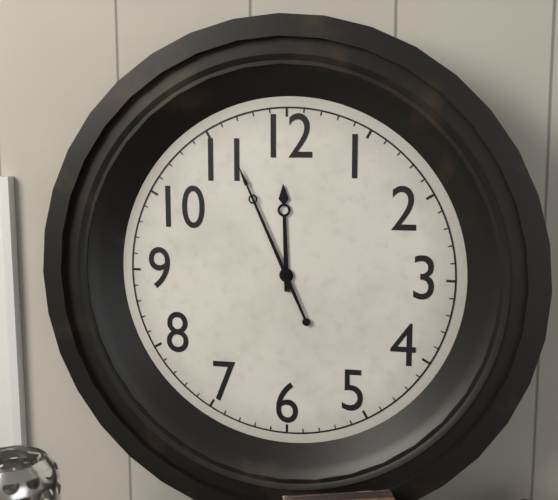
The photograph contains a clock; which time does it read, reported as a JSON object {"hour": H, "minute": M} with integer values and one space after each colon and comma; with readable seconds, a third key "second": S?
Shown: {"hour": 11, "minute": 56}
